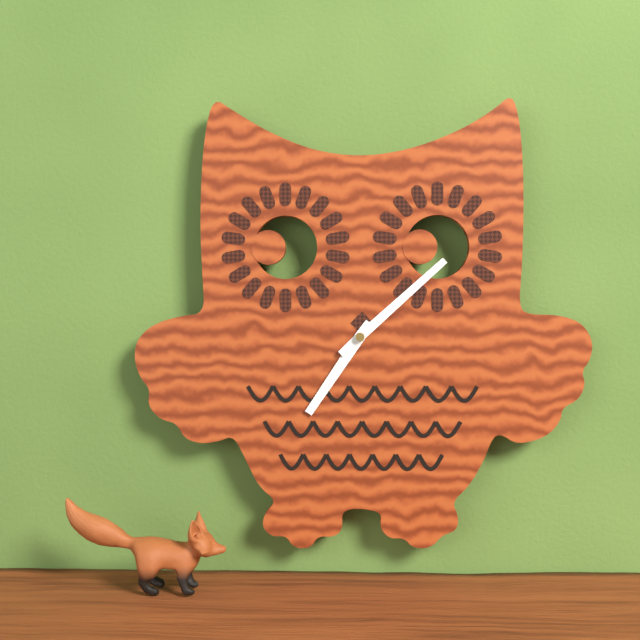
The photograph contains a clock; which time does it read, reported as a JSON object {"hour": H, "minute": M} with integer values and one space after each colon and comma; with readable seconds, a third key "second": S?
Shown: {"hour": 7, "minute": 8}
